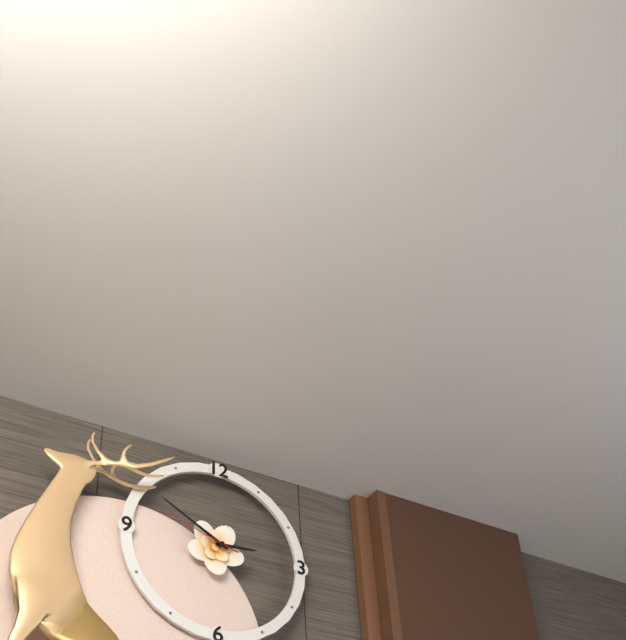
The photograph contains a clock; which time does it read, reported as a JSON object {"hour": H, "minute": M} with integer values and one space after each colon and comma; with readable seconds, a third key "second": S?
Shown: {"hour": 2, "minute": 50, "second": 48}
